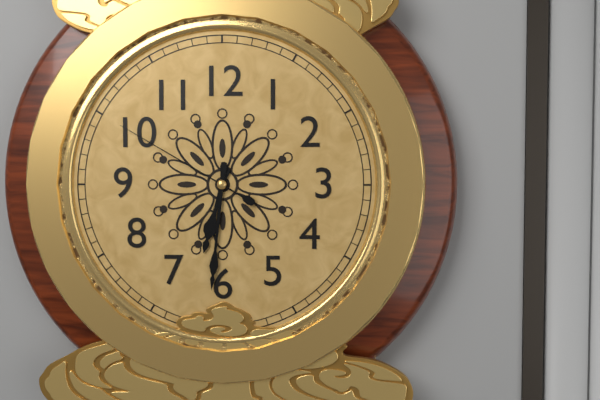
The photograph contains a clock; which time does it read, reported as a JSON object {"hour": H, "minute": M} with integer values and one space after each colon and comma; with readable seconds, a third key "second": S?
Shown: {"hour": 6, "minute": 31, "second": 50}
